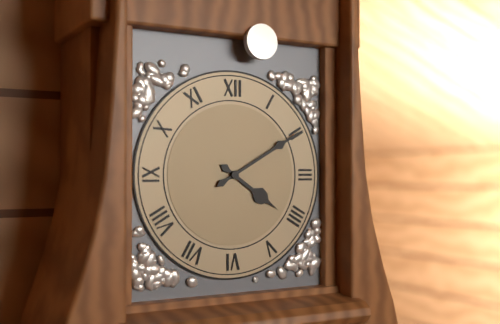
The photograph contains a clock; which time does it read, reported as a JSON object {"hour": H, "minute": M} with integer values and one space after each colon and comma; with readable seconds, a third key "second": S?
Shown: {"hour": 4, "minute": 10}
